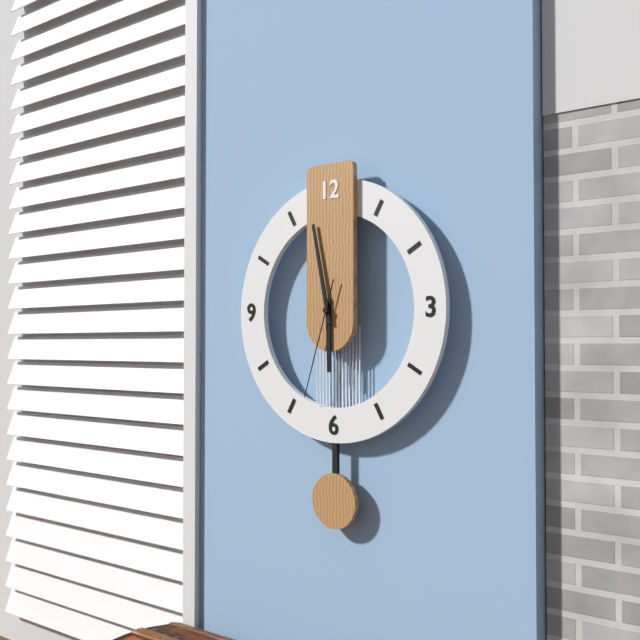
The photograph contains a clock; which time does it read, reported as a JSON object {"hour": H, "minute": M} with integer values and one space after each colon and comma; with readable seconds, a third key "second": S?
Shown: {"hour": 5, "minute": 58, "second": 33}
